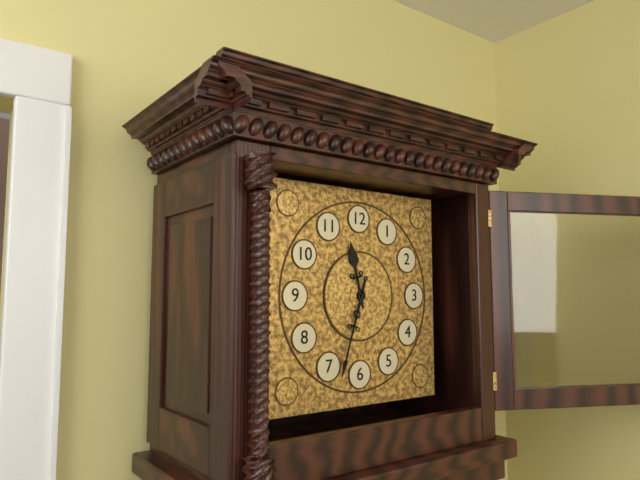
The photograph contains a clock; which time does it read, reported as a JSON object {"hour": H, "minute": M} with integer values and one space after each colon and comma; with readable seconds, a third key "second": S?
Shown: {"hour": 11, "minute": 33}
